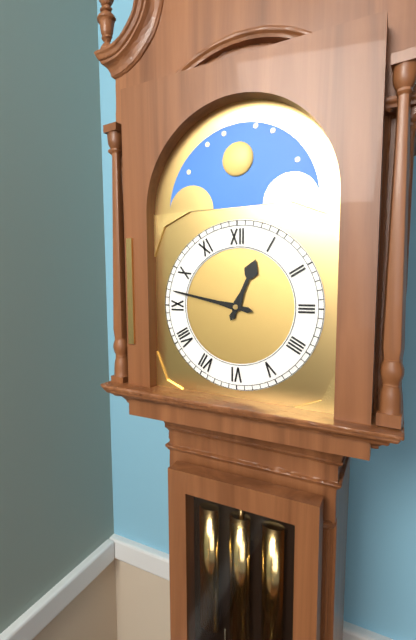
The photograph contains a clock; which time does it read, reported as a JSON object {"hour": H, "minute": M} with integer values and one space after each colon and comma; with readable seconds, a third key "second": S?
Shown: {"hour": 12, "minute": 47}
